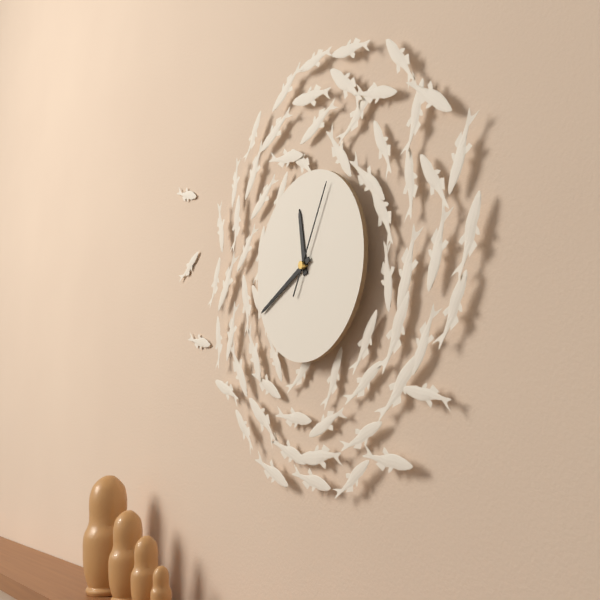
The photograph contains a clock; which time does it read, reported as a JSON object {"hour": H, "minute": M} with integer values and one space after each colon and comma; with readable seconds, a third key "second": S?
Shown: {"hour": 11, "minute": 41, "second": 5}
